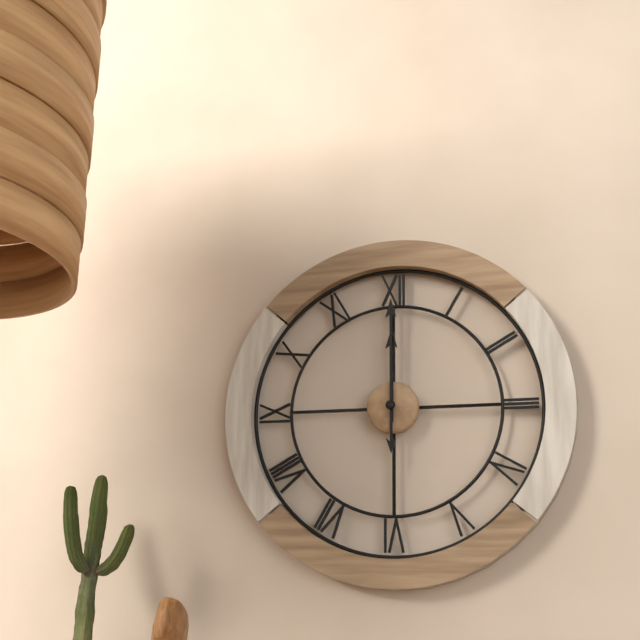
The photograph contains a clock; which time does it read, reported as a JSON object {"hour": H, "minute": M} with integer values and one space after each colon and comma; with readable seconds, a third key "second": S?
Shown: {"hour": 12, "minute": 0}
